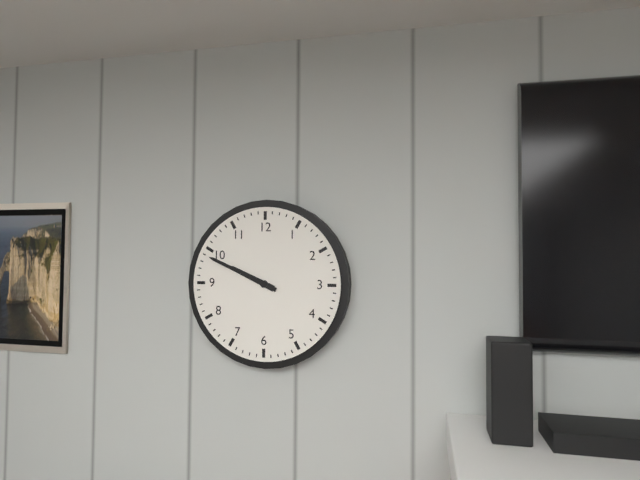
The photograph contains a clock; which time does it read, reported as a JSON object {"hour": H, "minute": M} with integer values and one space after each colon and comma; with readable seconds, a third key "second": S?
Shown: {"hour": 9, "minute": 49}
